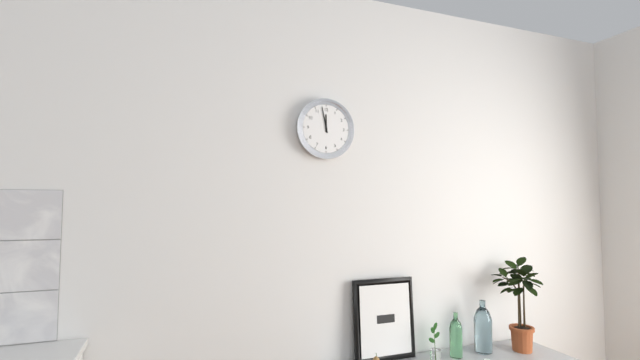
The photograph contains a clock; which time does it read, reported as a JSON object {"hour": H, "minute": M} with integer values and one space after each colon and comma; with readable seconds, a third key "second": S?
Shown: {"hour": 11, "minute": 58}
